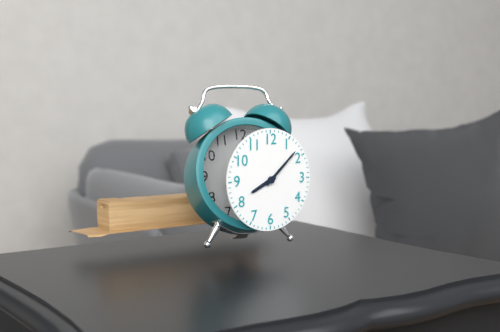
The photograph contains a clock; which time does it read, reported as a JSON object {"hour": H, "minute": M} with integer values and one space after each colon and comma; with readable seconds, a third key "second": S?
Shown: {"hour": 8, "minute": 8}
